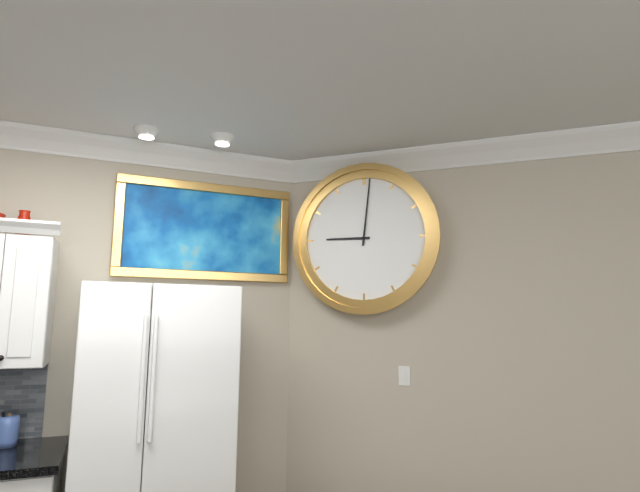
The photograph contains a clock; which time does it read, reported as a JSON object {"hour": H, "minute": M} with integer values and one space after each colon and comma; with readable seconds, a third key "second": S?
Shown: {"hour": 9, "minute": 1}
